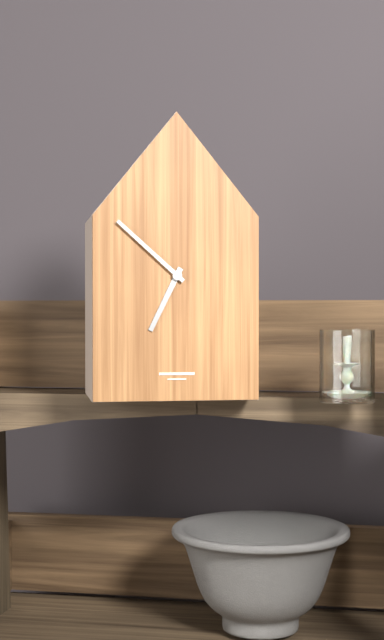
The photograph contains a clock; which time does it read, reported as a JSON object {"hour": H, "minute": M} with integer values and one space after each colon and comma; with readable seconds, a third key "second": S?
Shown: {"hour": 6, "minute": 52}
